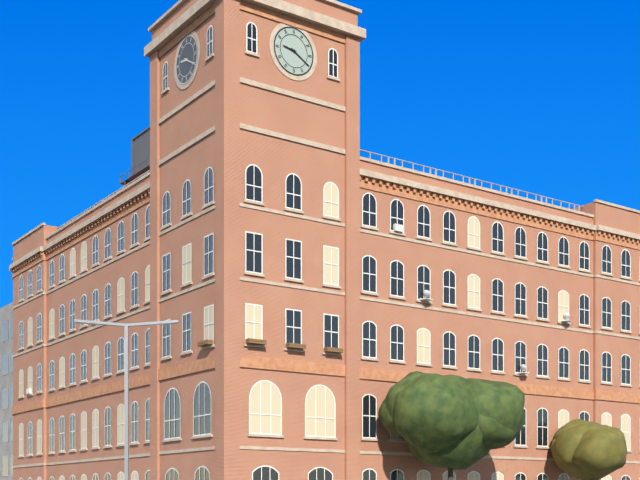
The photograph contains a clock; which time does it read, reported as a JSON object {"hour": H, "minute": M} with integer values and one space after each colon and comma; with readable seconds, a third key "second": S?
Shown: {"hour": 9, "minute": 20}
